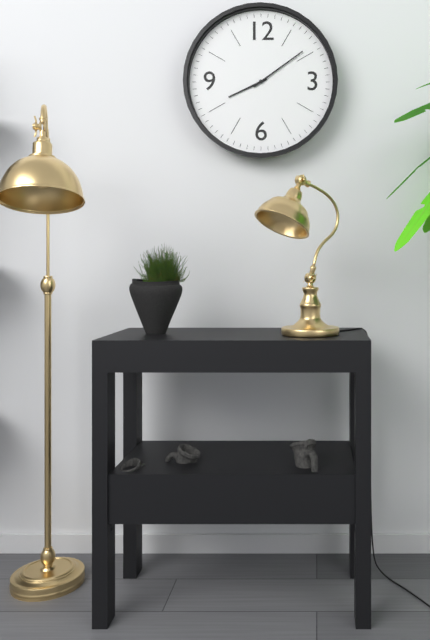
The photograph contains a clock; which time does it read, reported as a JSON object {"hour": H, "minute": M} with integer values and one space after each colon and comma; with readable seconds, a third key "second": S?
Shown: {"hour": 8, "minute": 9}
